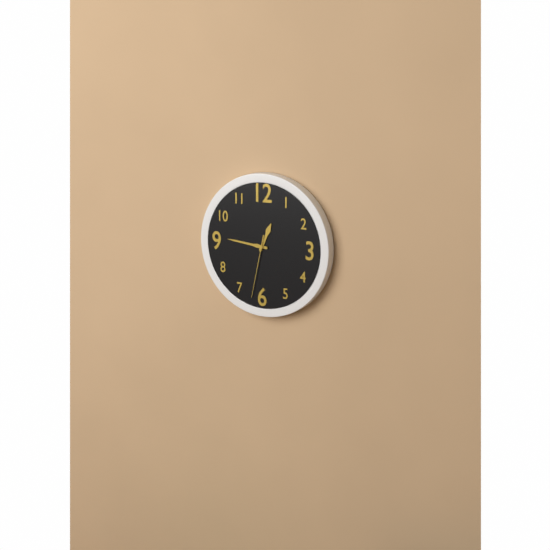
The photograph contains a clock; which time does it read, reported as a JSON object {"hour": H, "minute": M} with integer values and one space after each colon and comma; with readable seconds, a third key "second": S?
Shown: {"hour": 12, "minute": 46, "second": 32}
